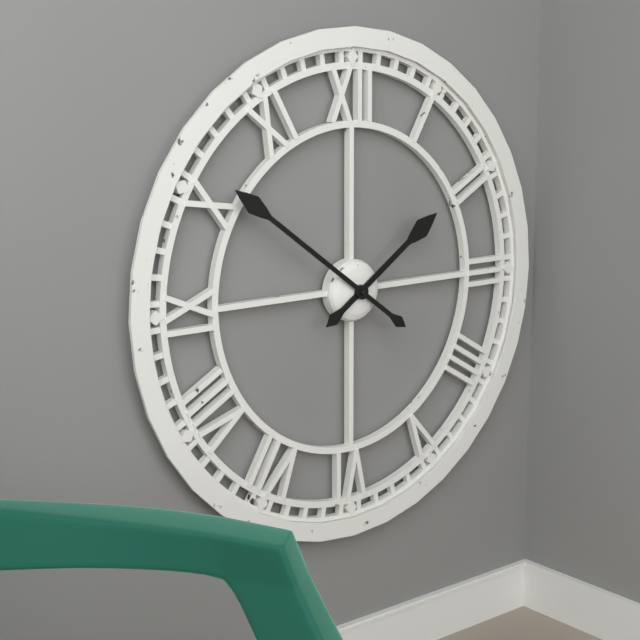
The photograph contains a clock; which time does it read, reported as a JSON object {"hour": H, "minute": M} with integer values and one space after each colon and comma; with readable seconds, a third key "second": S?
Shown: {"hour": 1, "minute": 51}
